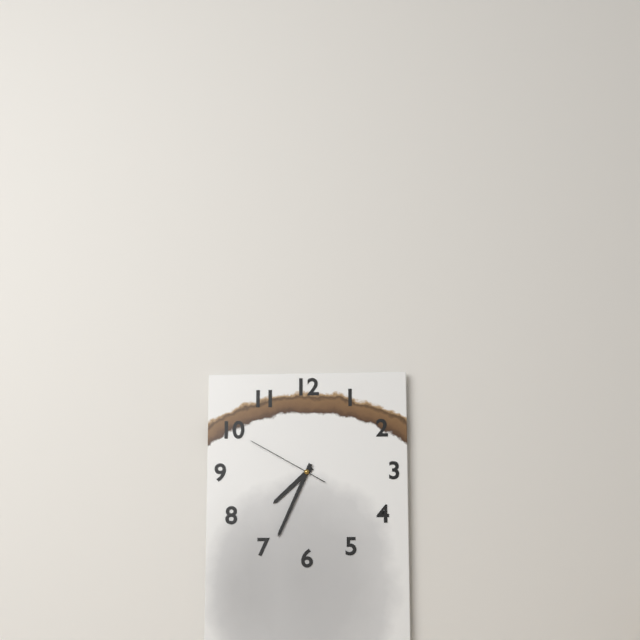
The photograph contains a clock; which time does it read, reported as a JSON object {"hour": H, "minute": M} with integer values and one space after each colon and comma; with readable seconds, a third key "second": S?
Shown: {"hour": 7, "minute": 34, "second": 50}
